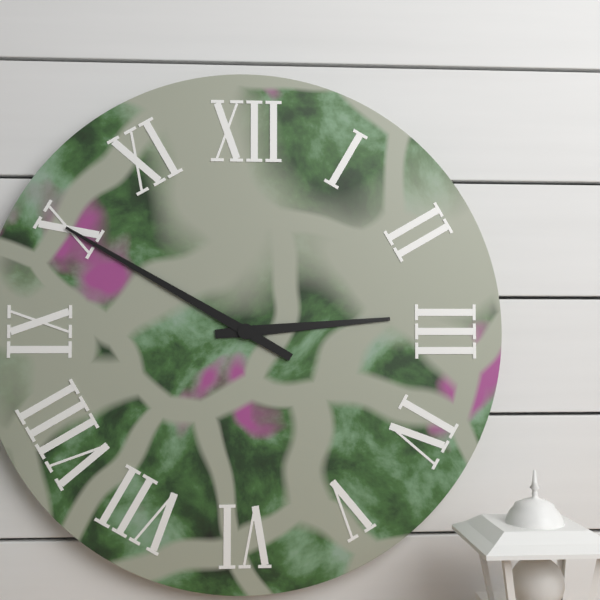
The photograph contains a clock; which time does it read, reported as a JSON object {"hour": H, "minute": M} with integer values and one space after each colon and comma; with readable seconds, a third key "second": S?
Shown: {"hour": 2, "minute": 50}
